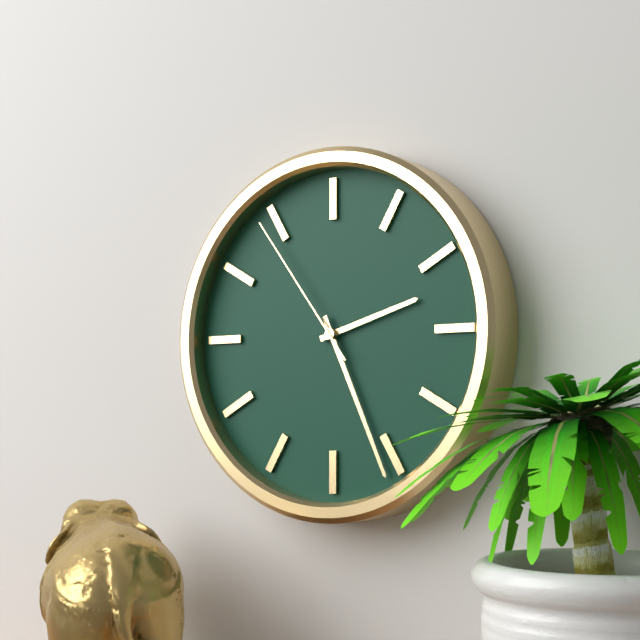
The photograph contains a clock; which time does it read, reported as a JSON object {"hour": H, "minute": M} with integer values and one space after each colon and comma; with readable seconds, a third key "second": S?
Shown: {"hour": 2, "minute": 26, "second": 54}
